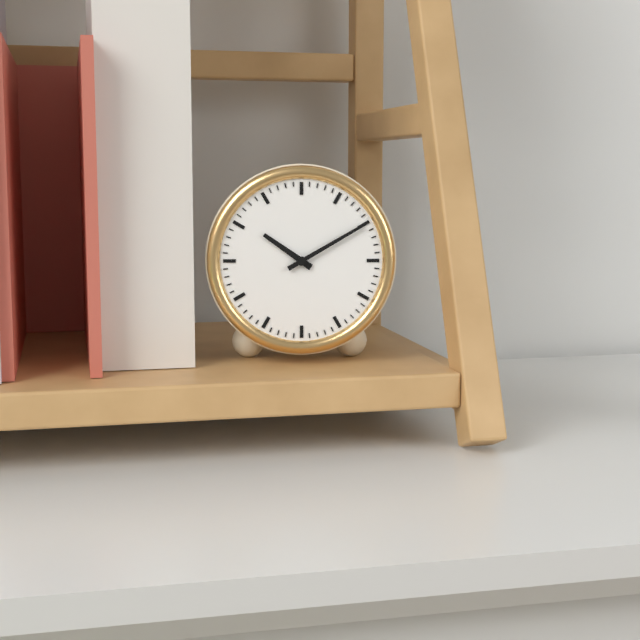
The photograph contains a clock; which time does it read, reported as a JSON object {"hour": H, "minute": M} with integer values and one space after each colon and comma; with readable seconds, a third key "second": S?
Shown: {"hour": 10, "minute": 10}
